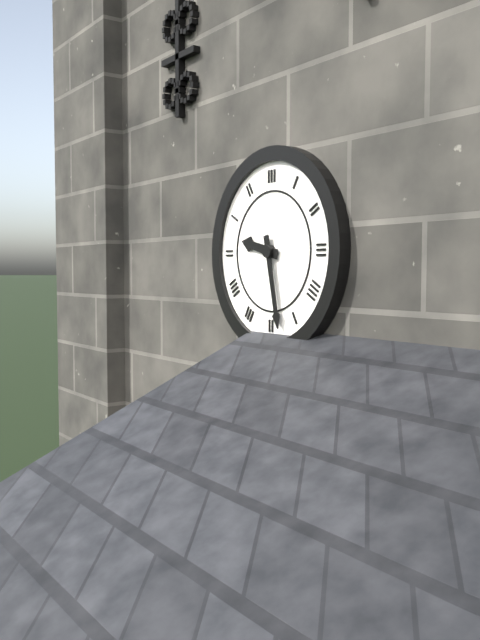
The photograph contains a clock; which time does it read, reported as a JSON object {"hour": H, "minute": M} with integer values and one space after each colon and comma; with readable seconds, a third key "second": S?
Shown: {"hour": 9, "minute": 28}
